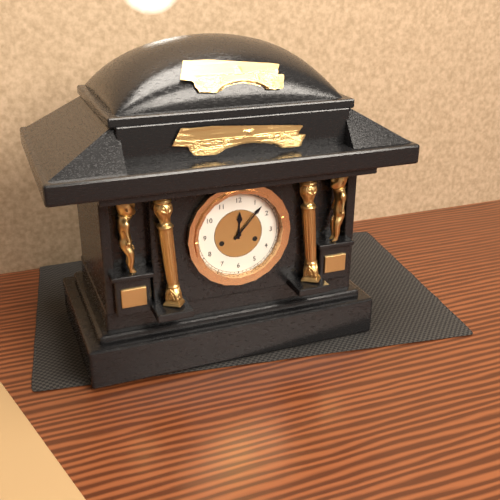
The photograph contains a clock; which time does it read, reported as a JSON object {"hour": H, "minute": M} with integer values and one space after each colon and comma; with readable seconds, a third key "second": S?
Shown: {"hour": 12, "minute": 7}
